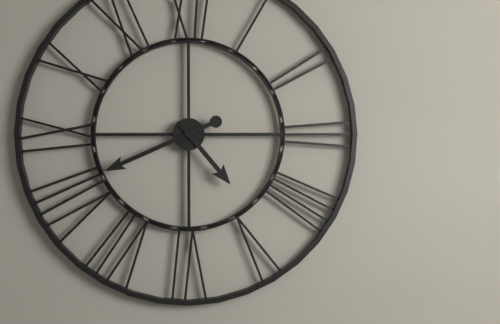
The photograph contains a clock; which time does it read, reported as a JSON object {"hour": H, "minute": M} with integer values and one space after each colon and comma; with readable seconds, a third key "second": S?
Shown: {"hour": 4, "minute": 41}
